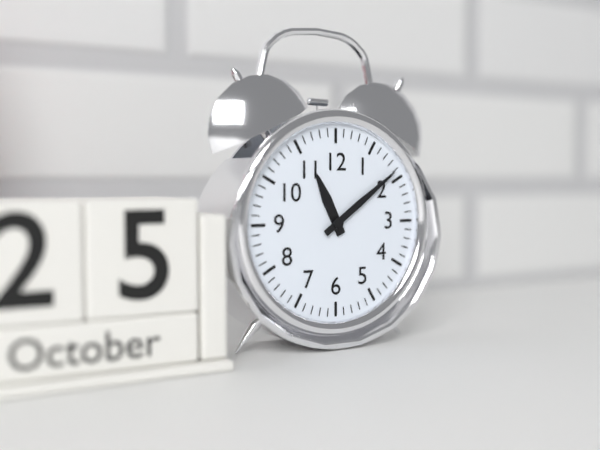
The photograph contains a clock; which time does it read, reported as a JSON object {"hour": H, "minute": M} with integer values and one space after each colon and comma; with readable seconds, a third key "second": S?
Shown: {"hour": 11, "minute": 9}
